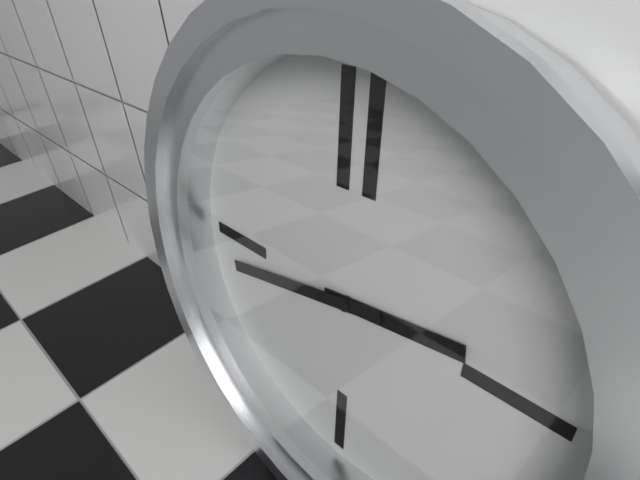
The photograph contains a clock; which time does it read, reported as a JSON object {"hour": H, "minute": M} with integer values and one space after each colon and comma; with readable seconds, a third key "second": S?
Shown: {"hour": 2, "minute": 43}
